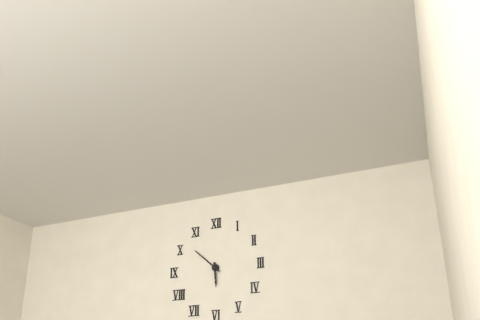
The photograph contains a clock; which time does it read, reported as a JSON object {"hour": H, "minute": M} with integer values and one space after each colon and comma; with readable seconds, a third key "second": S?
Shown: {"hour": 5, "minute": 52}
